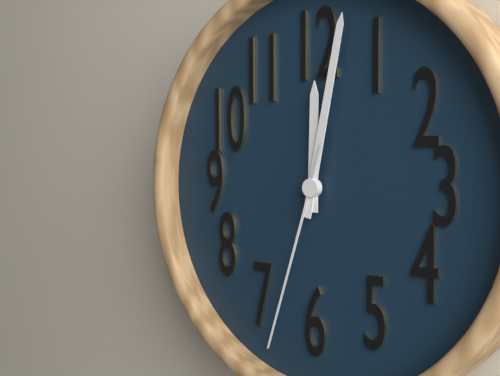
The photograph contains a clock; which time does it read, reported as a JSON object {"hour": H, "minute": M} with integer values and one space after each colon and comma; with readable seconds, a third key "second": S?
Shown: {"hour": 12, "minute": 2, "second": 33}
